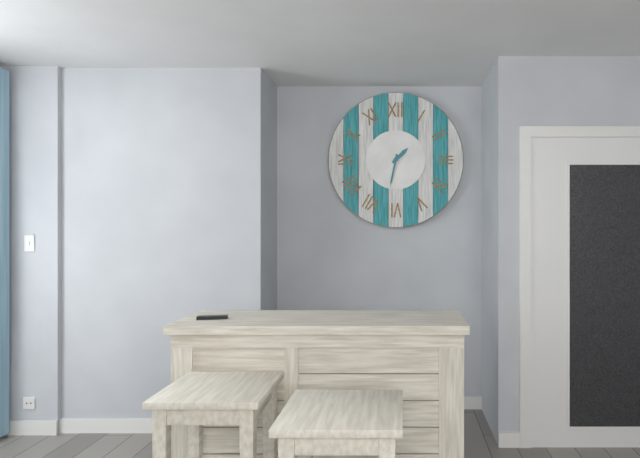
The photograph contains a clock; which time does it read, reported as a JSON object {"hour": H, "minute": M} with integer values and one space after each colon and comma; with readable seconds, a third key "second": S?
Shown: {"hour": 1, "minute": 32}
